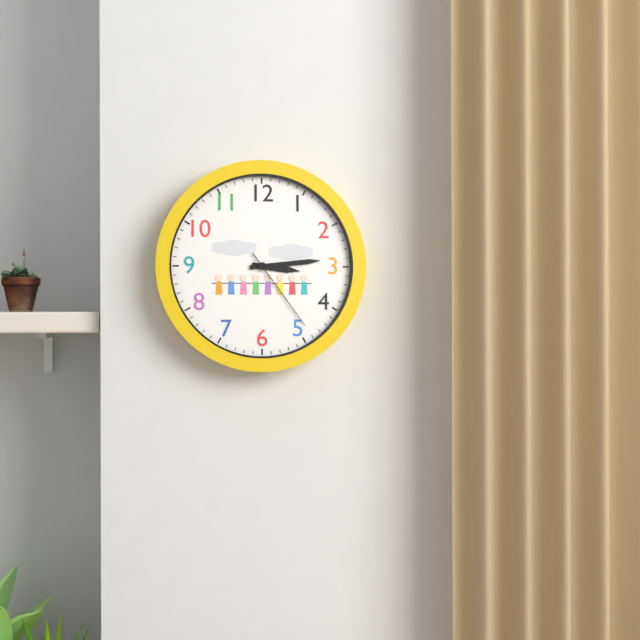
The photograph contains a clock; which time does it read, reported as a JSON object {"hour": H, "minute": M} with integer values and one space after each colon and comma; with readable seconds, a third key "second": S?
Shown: {"hour": 3, "minute": 14, "second": 24}
